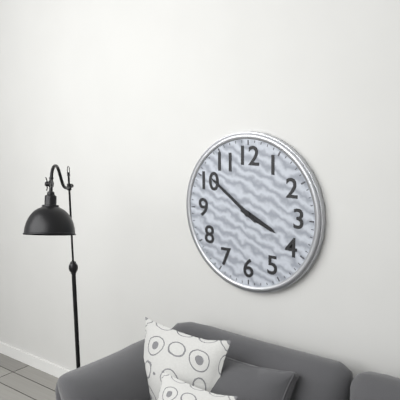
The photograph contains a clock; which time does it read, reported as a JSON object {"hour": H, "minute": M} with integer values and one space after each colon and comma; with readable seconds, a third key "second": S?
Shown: {"hour": 3, "minute": 51}
